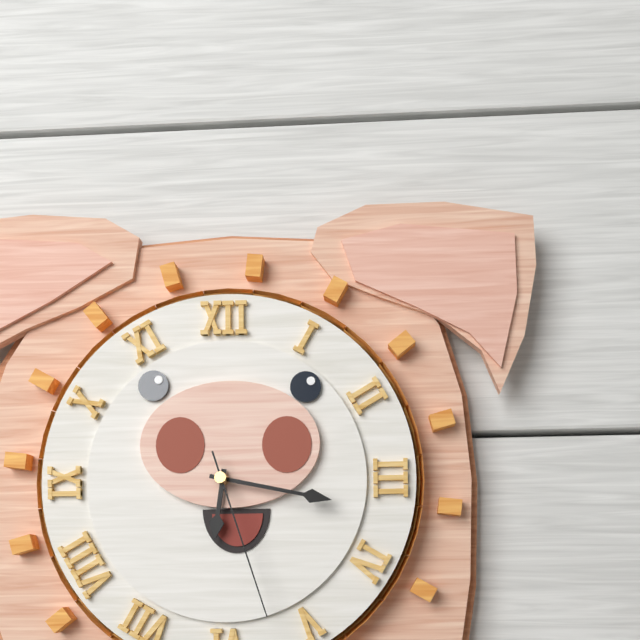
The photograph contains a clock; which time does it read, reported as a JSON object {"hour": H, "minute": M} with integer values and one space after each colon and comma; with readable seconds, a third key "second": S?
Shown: {"hour": 6, "minute": 17, "second": 27}
